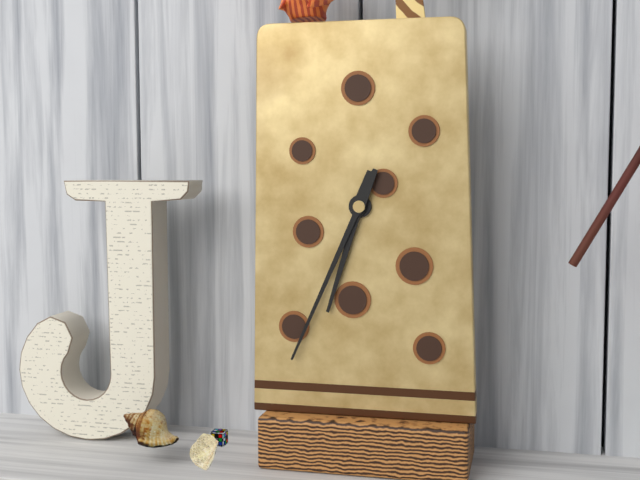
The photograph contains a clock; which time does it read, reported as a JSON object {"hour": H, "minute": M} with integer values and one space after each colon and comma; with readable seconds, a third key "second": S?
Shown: {"hour": 6, "minute": 34}
